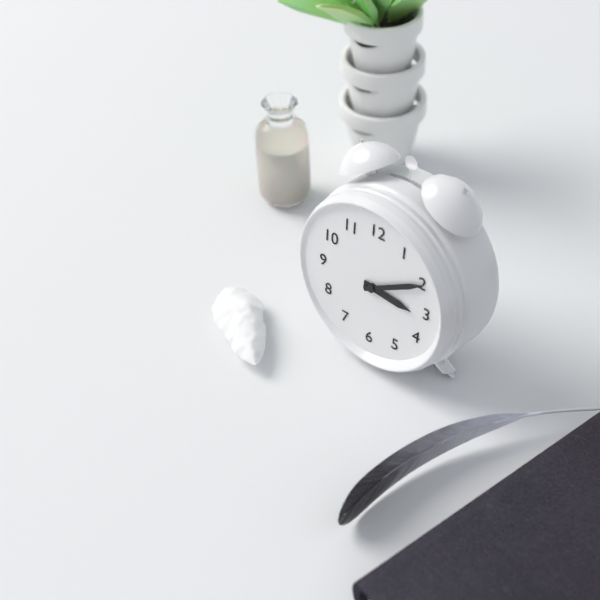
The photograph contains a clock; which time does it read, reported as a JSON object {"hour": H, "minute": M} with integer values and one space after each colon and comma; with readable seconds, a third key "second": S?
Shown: {"hour": 3, "minute": 10}
